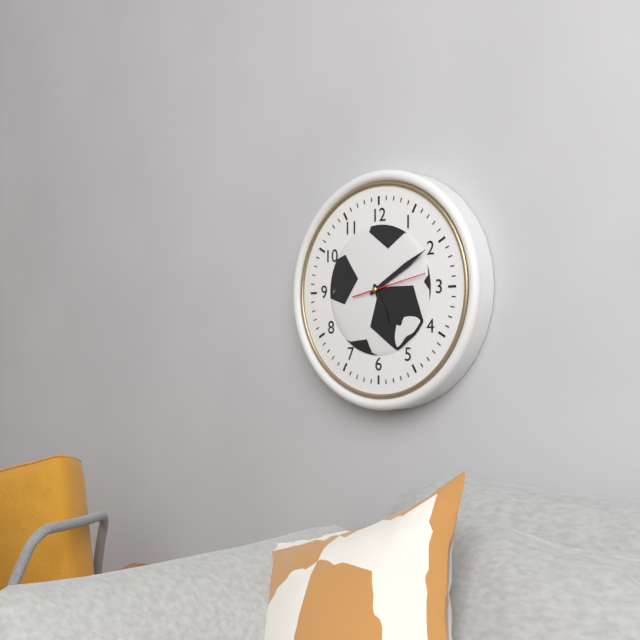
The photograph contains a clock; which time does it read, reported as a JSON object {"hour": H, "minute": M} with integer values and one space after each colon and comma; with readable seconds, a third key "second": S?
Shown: {"hour": 5, "minute": 10, "second": 13}
